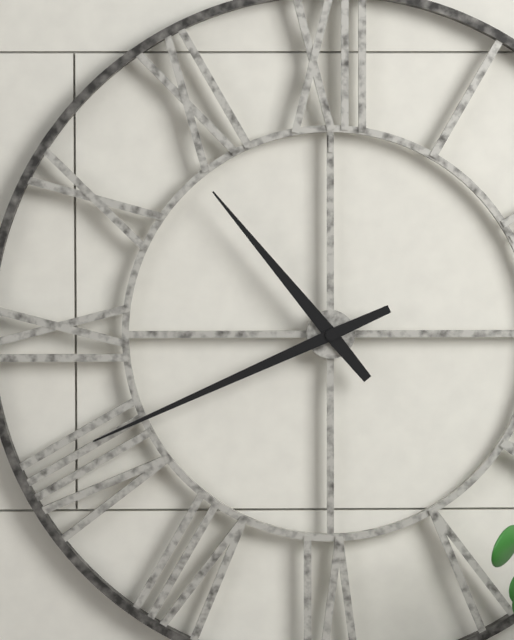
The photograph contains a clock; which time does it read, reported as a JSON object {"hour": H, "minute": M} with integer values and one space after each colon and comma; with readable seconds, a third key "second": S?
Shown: {"hour": 10, "minute": 41}
